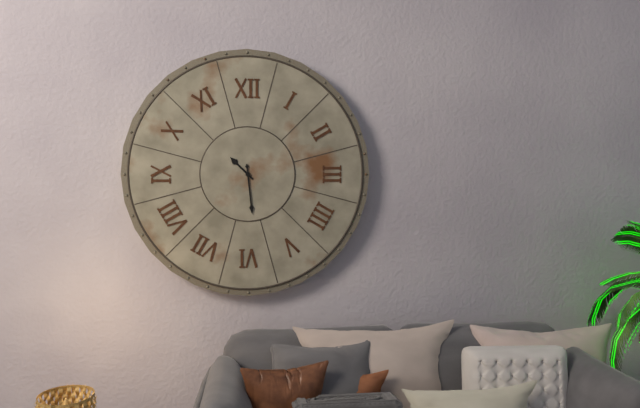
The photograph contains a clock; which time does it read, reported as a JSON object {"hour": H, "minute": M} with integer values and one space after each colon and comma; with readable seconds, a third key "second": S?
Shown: {"hour": 10, "minute": 29}
